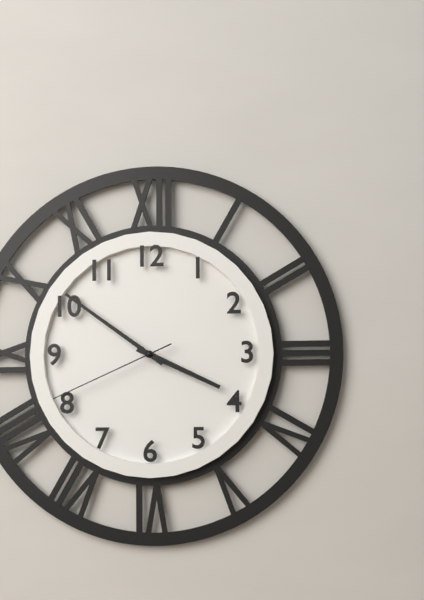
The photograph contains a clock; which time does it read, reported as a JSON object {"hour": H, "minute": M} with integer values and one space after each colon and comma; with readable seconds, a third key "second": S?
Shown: {"hour": 3, "minute": 51, "second": 41}
